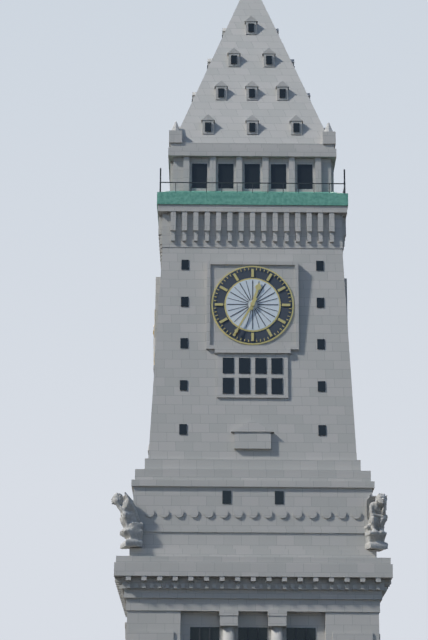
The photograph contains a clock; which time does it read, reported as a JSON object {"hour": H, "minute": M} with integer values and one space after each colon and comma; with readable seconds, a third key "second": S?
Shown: {"hour": 12, "minute": 35}
